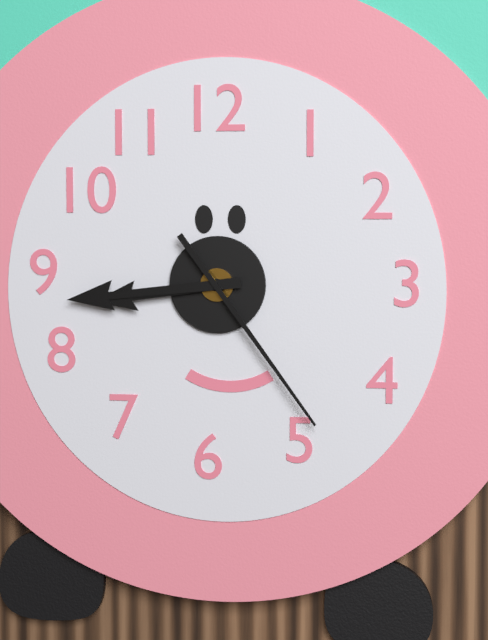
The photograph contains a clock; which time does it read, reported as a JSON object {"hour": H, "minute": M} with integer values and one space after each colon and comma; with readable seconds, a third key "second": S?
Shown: {"hour": 8, "minute": 44, "second": 24}
